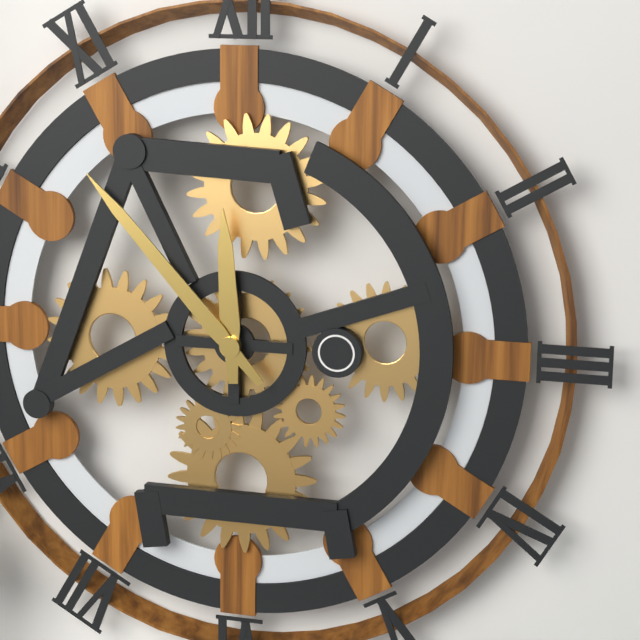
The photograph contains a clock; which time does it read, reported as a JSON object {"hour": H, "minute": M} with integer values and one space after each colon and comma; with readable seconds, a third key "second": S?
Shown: {"hour": 11, "minute": 53}
